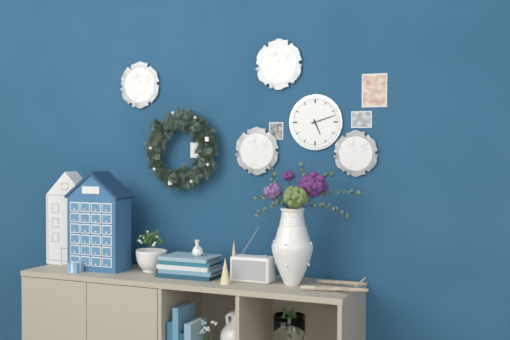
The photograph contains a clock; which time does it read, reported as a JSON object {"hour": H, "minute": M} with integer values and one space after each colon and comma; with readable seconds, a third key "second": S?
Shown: {"hour": 5, "minute": 12}
